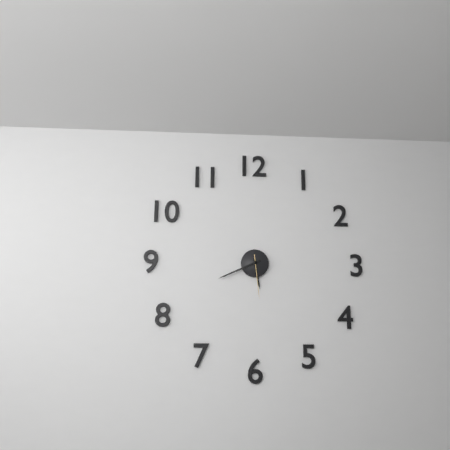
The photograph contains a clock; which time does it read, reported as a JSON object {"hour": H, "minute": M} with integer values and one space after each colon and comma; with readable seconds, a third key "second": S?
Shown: {"hour": 5, "minute": 41}
